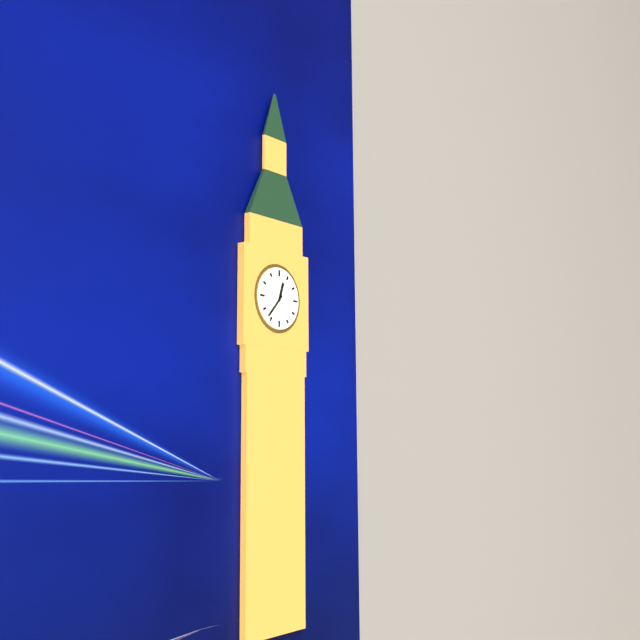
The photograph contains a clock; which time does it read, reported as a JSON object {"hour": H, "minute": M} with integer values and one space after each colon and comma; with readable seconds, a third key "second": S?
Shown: {"hour": 12, "minute": 37}
